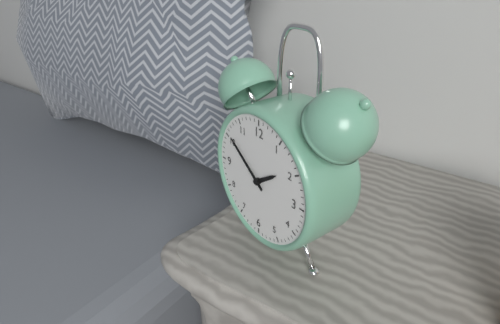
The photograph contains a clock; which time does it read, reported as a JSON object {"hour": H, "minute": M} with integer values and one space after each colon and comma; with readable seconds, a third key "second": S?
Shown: {"hour": 1, "minute": 51}
